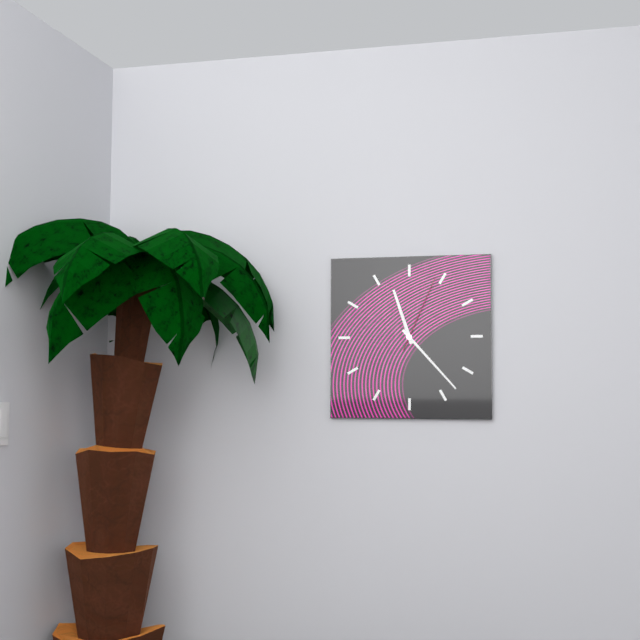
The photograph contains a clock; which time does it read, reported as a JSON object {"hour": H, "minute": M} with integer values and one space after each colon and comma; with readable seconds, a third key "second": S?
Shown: {"hour": 11, "minute": 23, "second": 4}
